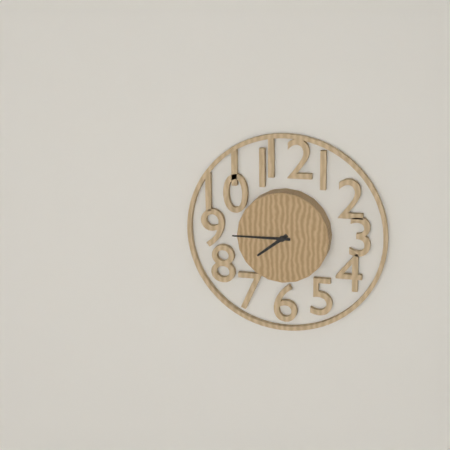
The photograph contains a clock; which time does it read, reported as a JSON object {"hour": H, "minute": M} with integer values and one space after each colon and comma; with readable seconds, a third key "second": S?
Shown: {"hour": 7, "minute": 45}
